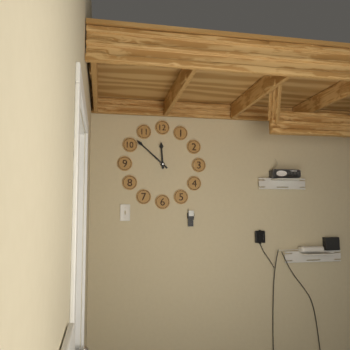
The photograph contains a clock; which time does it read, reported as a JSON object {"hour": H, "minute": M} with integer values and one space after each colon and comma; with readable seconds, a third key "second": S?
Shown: {"hour": 11, "minute": 52}
